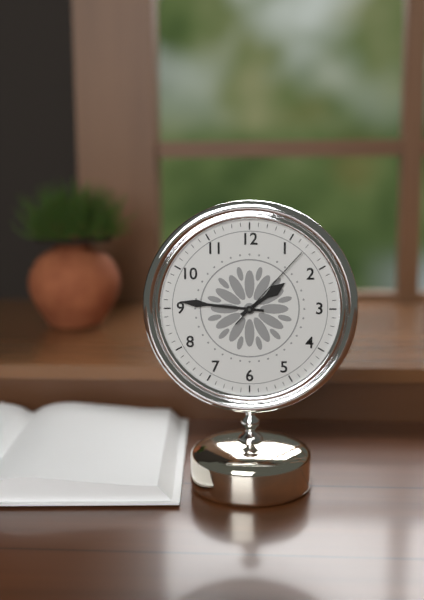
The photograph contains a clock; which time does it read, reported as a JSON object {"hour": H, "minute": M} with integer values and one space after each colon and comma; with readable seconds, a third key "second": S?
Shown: {"hour": 1, "minute": 46, "second": 7}
